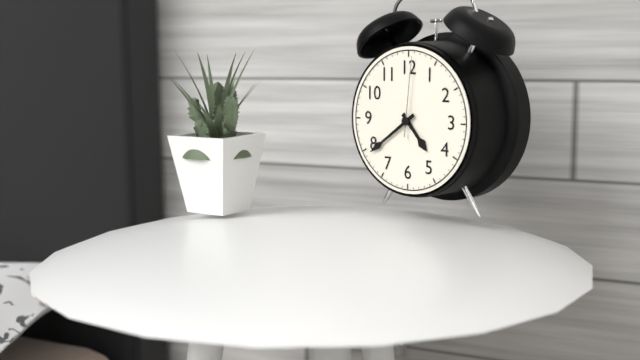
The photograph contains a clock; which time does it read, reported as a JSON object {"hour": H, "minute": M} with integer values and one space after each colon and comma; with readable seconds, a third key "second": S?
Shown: {"hour": 4, "minute": 39, "second": 1}
